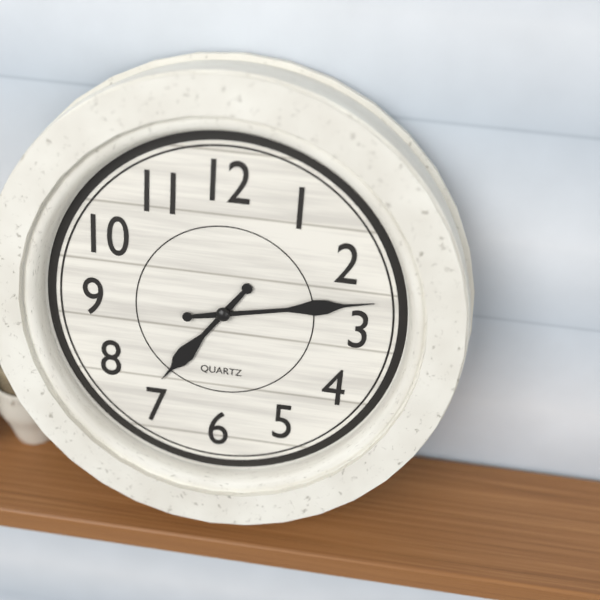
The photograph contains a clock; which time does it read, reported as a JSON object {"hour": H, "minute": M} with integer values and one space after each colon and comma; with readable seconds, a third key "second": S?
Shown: {"hour": 7, "minute": 13}
